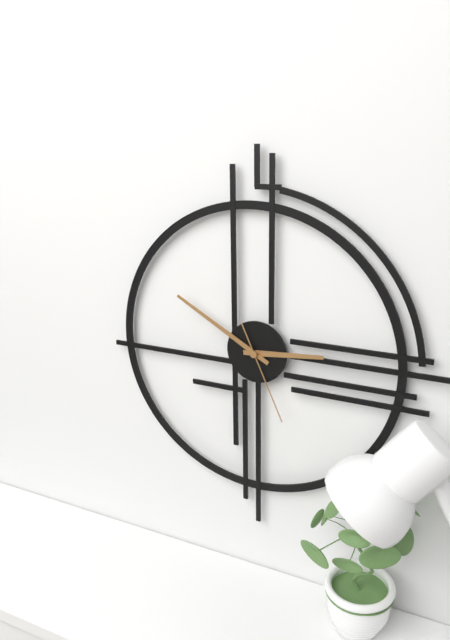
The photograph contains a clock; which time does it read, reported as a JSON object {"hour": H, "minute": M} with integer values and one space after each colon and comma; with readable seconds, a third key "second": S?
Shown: {"hour": 2, "minute": 50, "second": 26}
